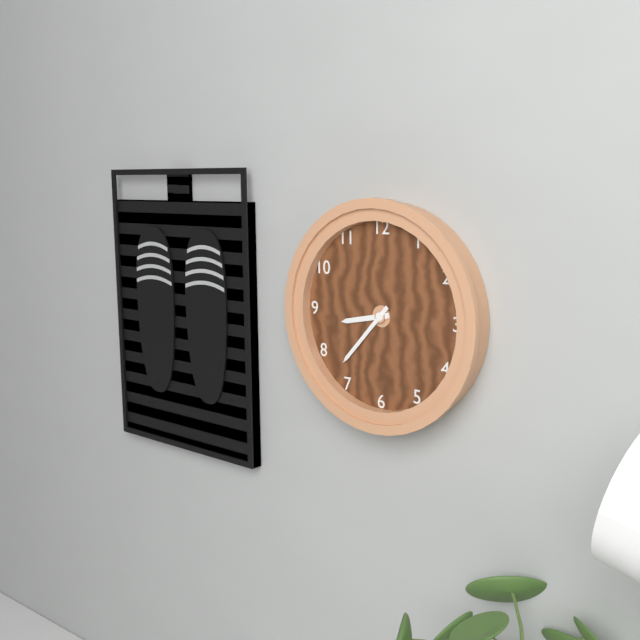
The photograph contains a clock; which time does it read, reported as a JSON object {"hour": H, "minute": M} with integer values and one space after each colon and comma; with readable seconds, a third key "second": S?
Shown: {"hour": 8, "minute": 37}
